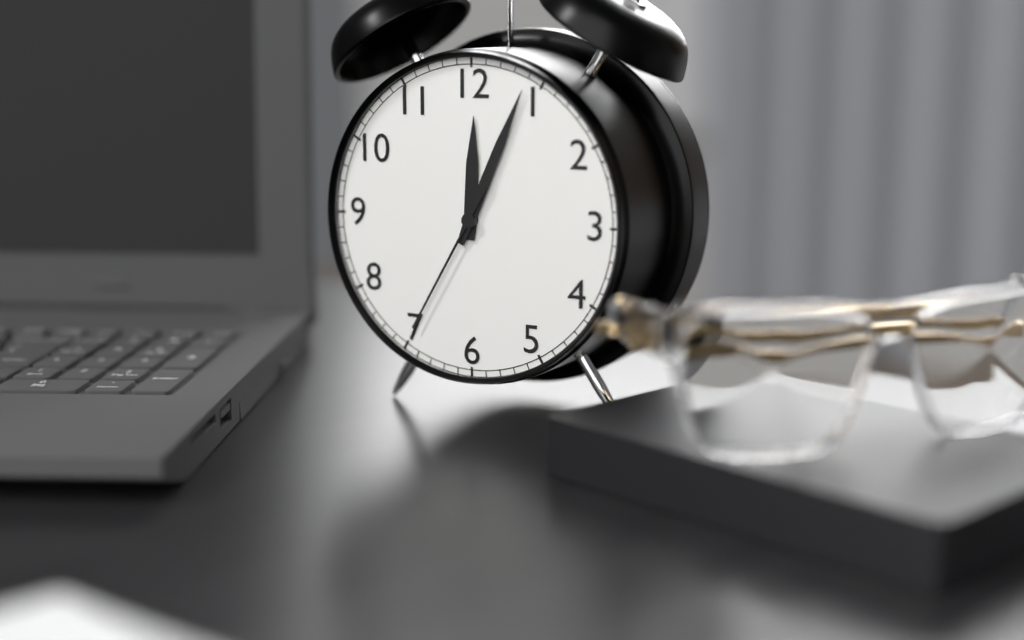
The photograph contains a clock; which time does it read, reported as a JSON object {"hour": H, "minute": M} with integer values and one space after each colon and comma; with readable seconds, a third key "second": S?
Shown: {"hour": 12, "minute": 4, "second": 35}
